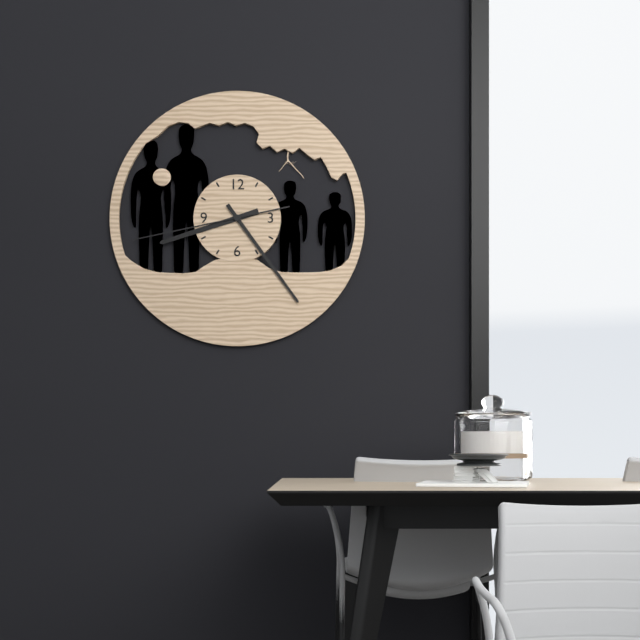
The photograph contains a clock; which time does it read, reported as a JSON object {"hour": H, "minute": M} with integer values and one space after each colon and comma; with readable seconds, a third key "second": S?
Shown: {"hour": 8, "minute": 24, "second": 43}
